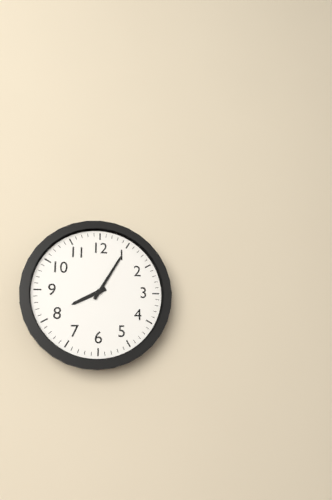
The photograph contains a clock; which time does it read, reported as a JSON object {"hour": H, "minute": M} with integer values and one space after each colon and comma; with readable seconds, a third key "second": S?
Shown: {"hour": 8, "minute": 5}
